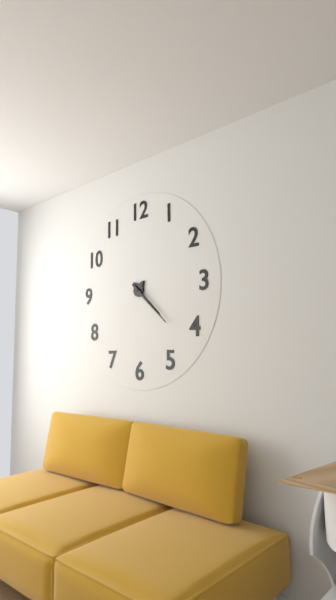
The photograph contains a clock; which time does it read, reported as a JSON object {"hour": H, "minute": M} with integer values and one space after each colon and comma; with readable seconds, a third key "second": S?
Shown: {"hour": 4, "minute": 22}
